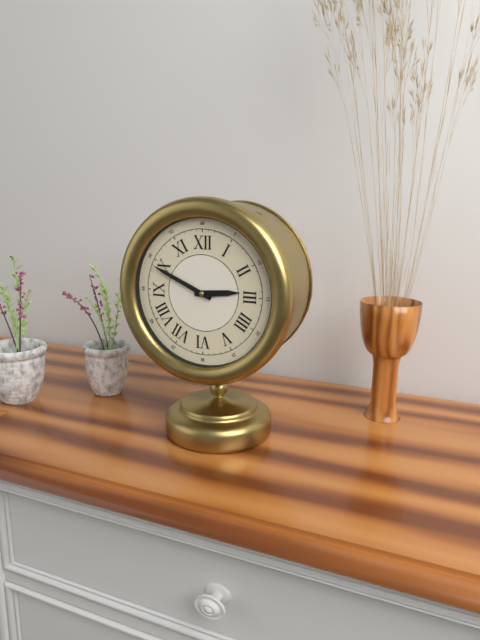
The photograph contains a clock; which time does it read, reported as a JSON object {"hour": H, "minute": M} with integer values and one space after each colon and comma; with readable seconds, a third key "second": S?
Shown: {"hour": 2, "minute": 49}
